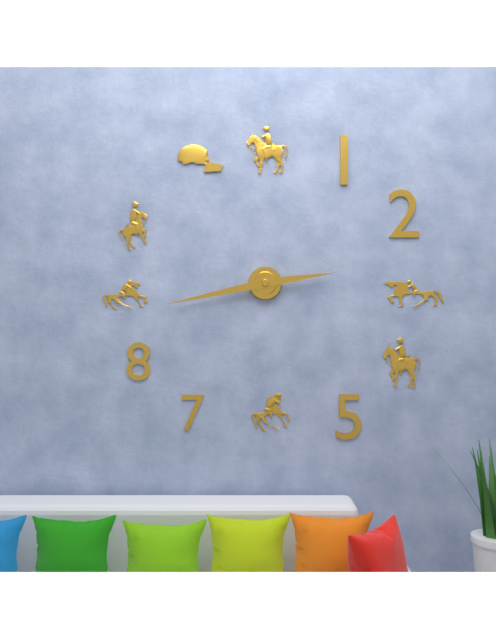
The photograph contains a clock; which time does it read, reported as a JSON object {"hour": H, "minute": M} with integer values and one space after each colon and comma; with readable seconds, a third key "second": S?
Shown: {"hour": 2, "minute": 43}
